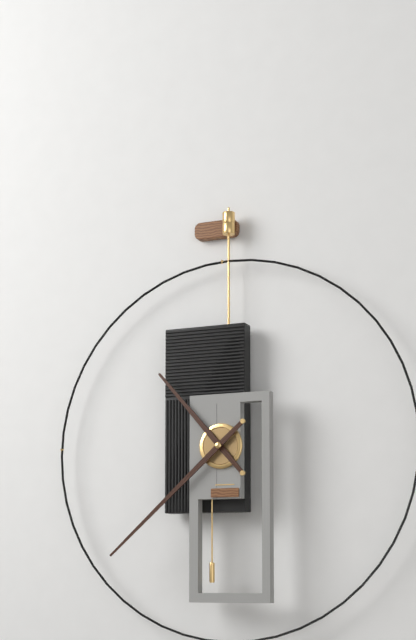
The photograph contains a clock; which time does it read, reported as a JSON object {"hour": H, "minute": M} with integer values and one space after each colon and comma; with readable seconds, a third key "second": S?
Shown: {"hour": 10, "minute": 38}
